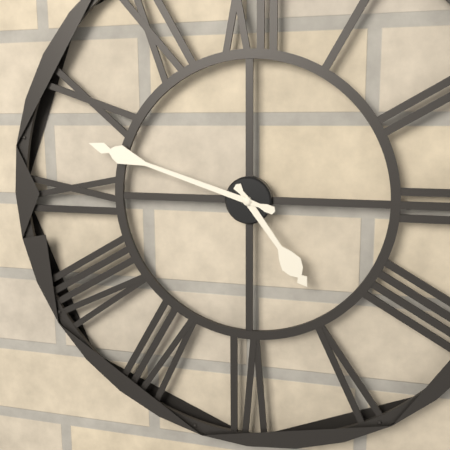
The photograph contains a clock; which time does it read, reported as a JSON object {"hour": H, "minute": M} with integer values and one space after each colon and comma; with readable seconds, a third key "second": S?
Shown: {"hour": 4, "minute": 48}
